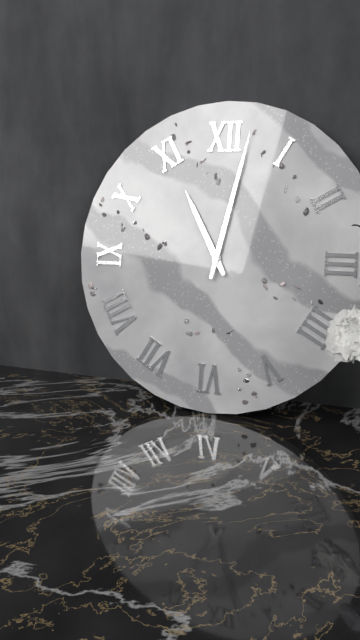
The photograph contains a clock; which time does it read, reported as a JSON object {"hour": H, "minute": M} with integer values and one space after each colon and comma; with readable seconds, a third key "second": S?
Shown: {"hour": 11, "minute": 2}
